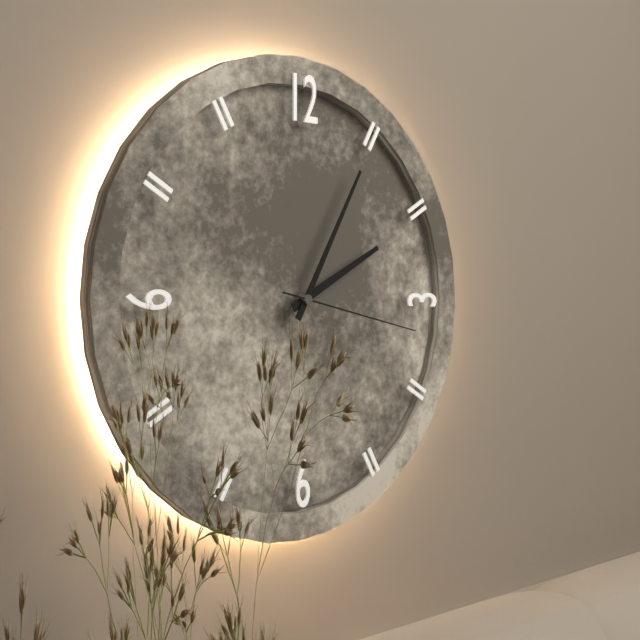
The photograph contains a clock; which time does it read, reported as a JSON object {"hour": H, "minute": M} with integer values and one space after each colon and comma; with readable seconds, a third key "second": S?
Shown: {"hour": 2, "minute": 5, "second": 17}
